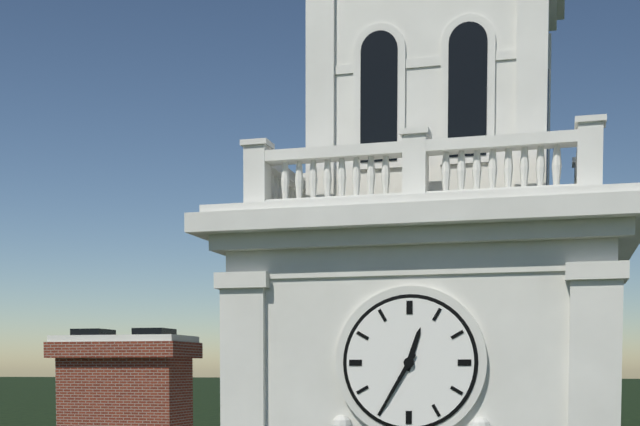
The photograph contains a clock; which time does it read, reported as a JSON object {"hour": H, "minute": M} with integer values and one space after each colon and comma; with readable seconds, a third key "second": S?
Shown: {"hour": 12, "minute": 35}
